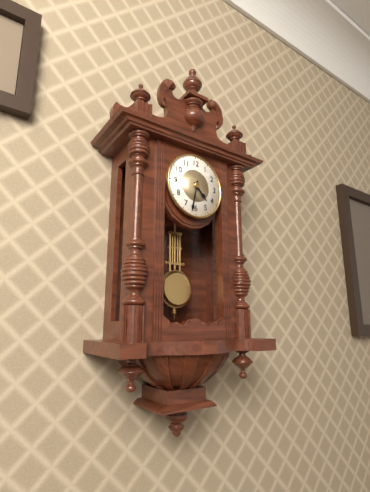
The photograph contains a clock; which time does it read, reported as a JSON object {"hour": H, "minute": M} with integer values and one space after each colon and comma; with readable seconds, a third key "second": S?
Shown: {"hour": 4, "minute": 32}
